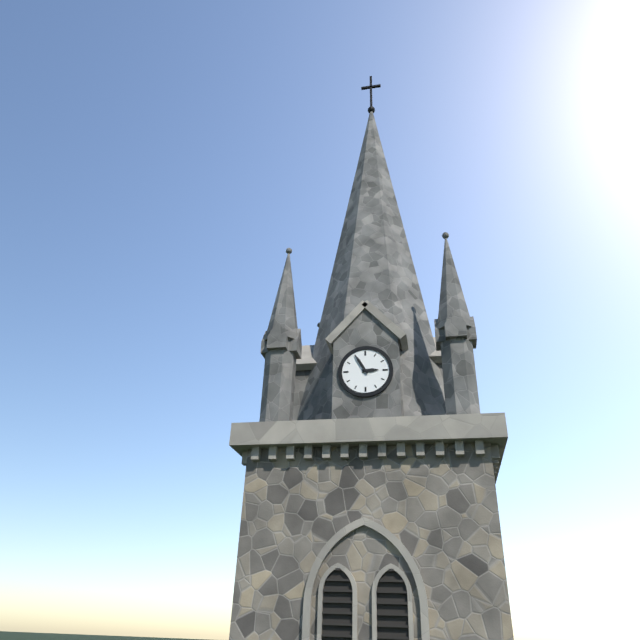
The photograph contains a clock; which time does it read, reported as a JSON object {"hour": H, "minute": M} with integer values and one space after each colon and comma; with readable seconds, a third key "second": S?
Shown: {"hour": 2, "minute": 55}
